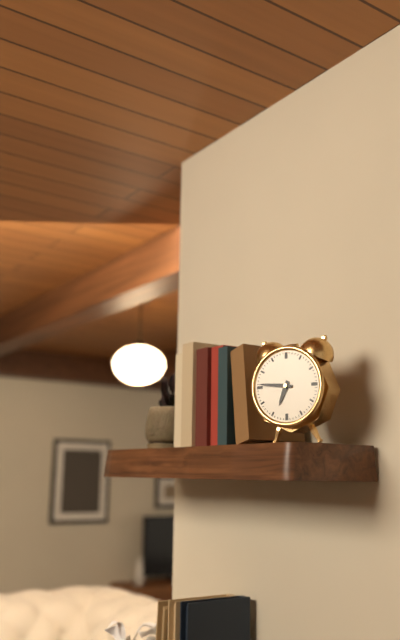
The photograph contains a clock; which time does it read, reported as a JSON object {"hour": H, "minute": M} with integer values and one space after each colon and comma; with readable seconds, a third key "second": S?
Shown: {"hour": 6, "minute": 46}
